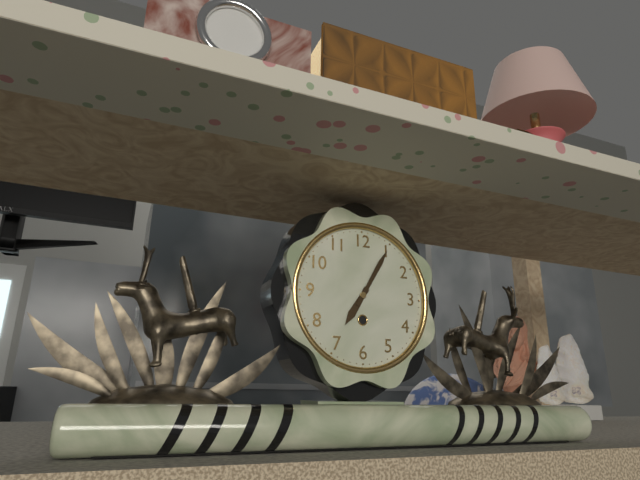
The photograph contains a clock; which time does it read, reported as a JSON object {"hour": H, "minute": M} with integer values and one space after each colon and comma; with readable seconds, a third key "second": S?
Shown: {"hour": 7, "minute": 5}
